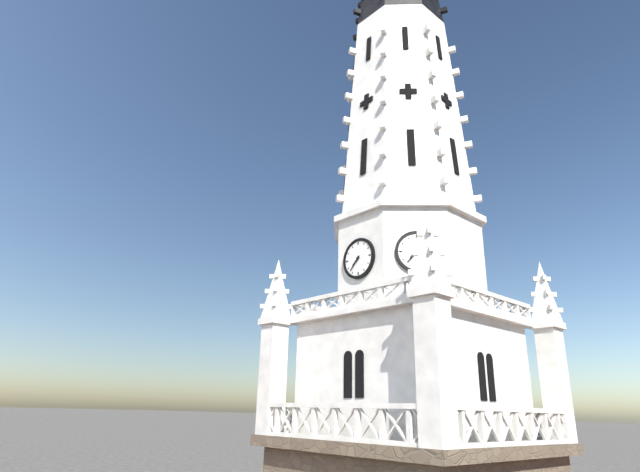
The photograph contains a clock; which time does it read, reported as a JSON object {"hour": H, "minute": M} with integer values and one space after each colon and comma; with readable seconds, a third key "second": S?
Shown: {"hour": 7, "minute": 37}
